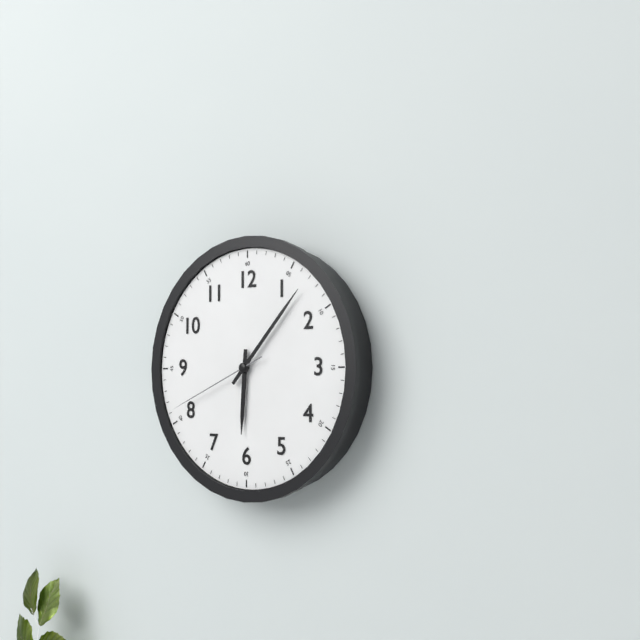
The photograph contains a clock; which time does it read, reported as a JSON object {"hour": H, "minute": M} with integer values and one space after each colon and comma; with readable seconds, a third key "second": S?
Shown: {"hour": 6, "minute": 7, "second": 41}
